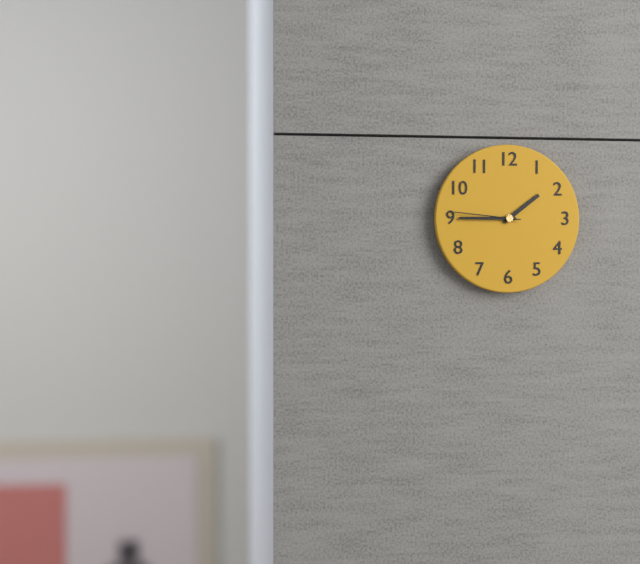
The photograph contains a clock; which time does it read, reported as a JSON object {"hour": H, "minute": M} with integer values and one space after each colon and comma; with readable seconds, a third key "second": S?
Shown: {"hour": 1, "minute": 45, "second": 46}
